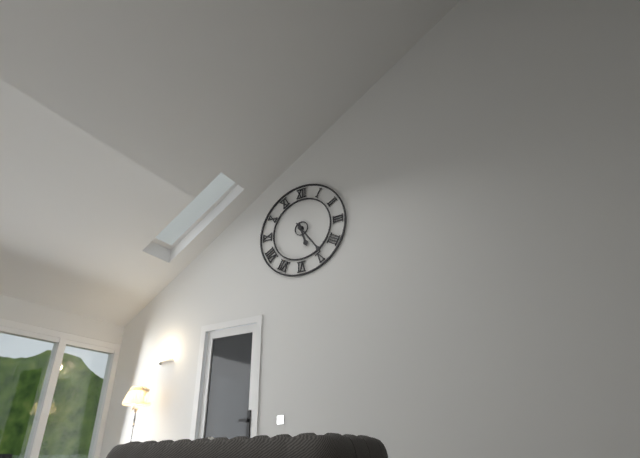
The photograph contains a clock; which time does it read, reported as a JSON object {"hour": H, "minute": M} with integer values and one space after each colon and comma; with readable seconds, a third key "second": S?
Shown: {"hour": 5, "minute": 24}
